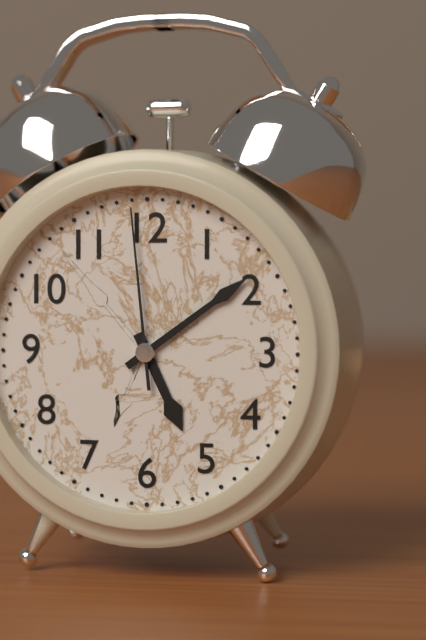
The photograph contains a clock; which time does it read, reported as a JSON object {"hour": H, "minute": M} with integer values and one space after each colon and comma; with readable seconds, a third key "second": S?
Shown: {"hour": 5, "minute": 9, "second": 59}
